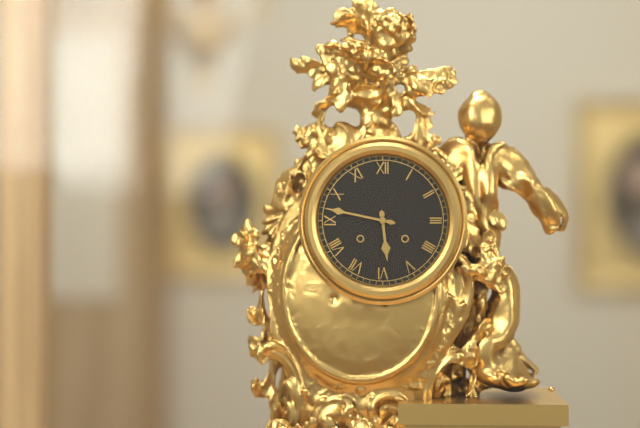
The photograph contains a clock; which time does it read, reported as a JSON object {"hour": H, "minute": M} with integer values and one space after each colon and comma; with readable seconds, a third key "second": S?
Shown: {"hour": 5, "minute": 47}
